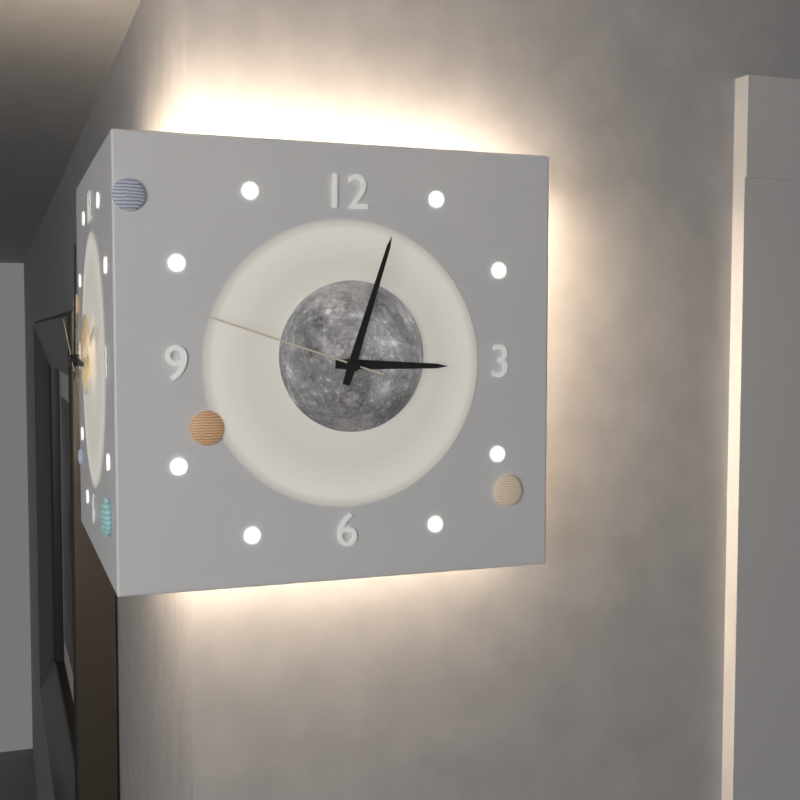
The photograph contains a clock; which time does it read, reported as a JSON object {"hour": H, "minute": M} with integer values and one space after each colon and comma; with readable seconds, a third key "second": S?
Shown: {"hour": 3, "minute": 3, "second": 48}
